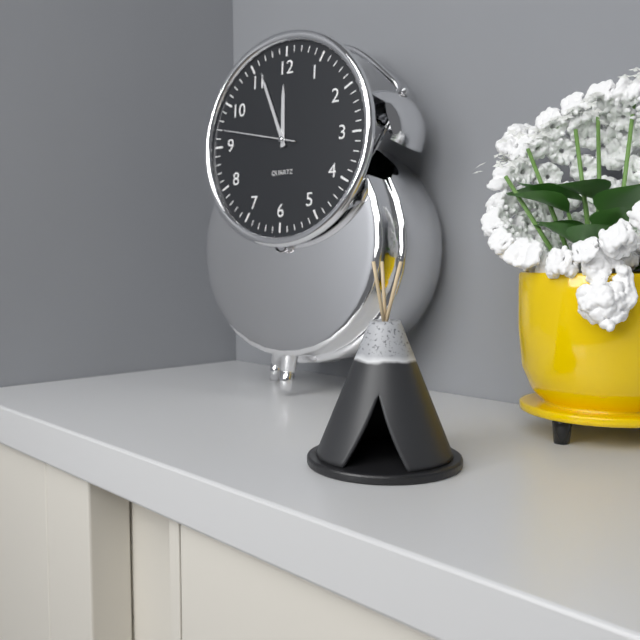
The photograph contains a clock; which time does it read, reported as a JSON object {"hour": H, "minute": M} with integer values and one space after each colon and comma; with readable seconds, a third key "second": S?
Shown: {"hour": 11, "minute": 56, "second": 47}
